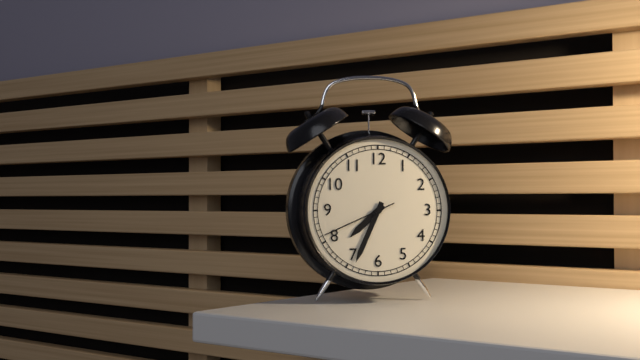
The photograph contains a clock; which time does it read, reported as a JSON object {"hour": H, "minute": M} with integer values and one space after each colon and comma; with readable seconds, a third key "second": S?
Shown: {"hour": 7, "minute": 34, "second": 41}
